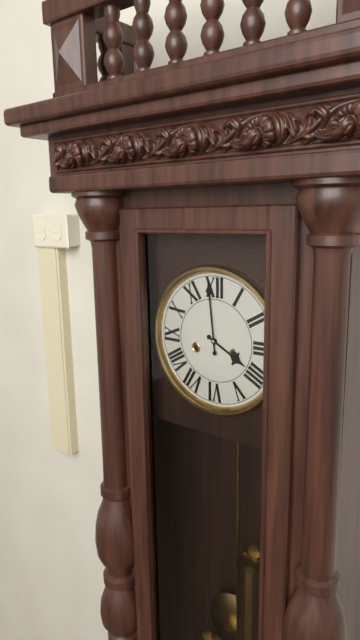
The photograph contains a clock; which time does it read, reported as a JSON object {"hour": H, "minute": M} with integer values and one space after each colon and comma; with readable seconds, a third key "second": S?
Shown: {"hour": 3, "minute": 59}
